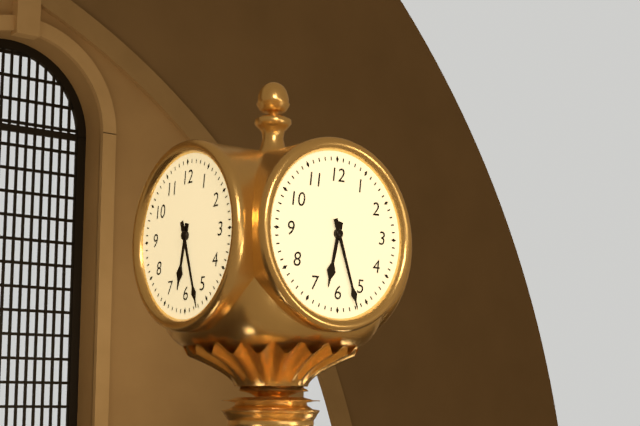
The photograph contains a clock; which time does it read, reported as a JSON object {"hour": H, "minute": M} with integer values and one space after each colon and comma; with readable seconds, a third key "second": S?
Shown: {"hour": 6, "minute": 27}
